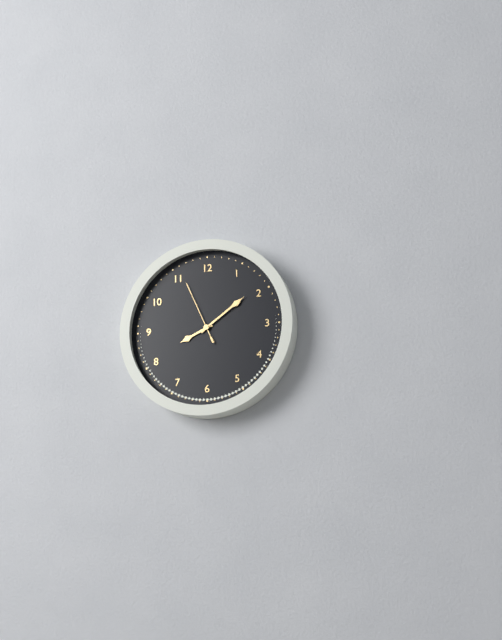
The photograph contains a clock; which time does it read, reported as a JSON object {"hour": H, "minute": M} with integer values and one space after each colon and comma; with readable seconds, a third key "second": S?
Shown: {"hour": 8, "minute": 9, "second": 56}
